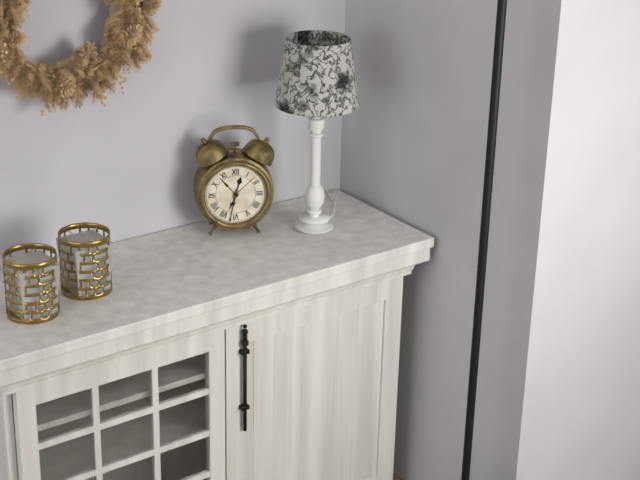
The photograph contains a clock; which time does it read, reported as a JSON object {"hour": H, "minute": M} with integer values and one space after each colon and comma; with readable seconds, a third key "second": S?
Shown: {"hour": 12, "minute": 32}
